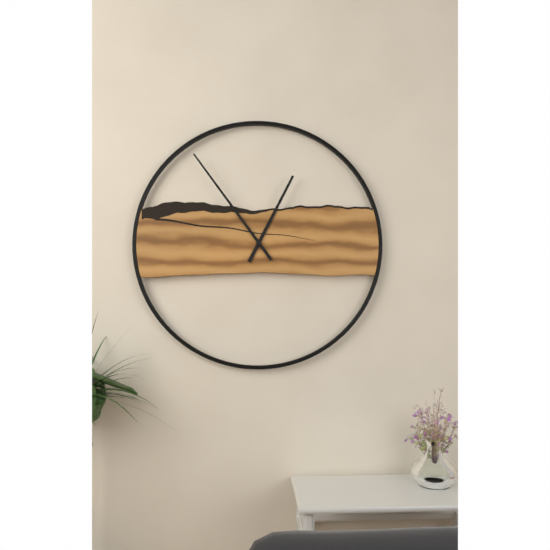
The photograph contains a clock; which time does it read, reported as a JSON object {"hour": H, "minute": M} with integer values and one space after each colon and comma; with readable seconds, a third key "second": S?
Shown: {"hour": 12, "minute": 54}
